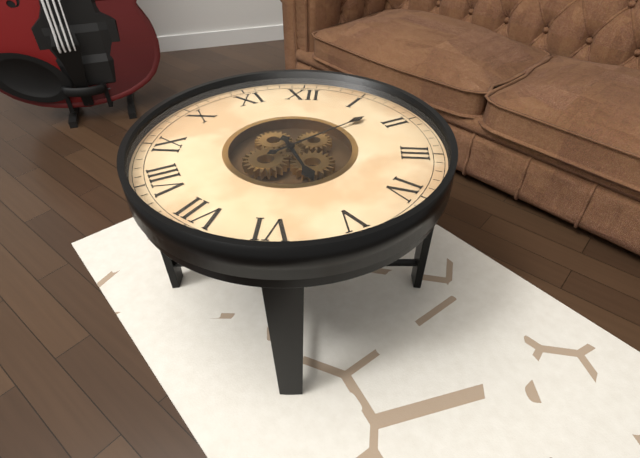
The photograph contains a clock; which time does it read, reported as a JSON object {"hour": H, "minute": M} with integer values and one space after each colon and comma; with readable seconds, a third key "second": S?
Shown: {"hour": 5, "minute": 8}
